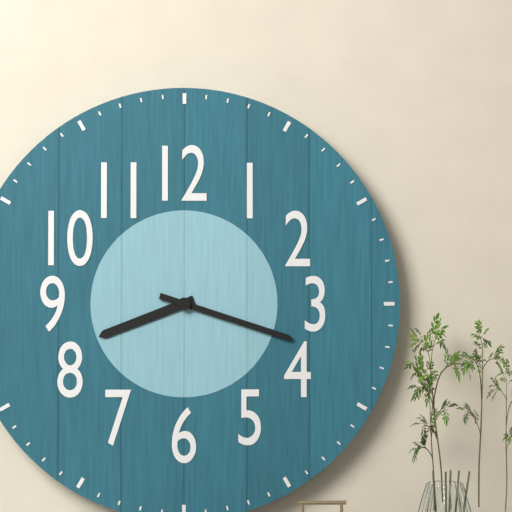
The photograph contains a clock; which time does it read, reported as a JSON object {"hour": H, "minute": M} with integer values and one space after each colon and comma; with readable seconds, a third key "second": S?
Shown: {"hour": 8, "minute": 18}
